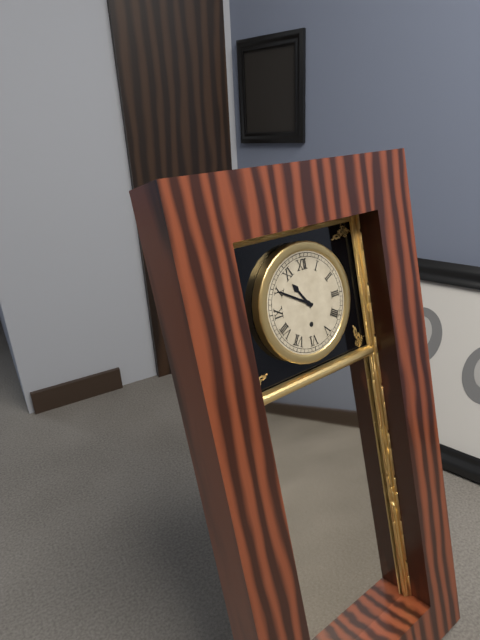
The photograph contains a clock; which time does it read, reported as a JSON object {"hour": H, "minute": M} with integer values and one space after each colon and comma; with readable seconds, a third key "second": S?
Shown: {"hour": 10, "minute": 50}
